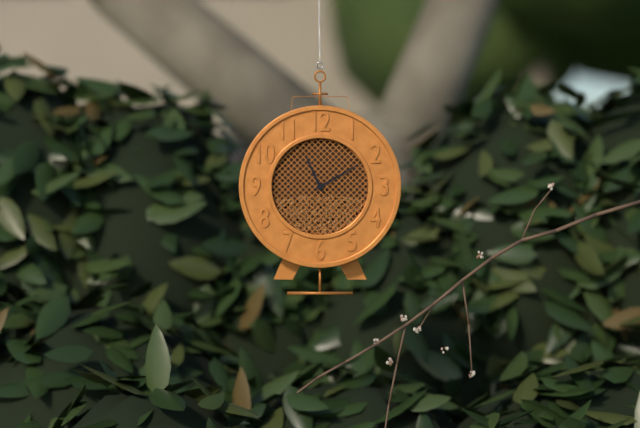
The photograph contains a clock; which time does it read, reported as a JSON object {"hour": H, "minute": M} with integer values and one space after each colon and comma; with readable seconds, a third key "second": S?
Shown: {"hour": 11, "minute": 10}
